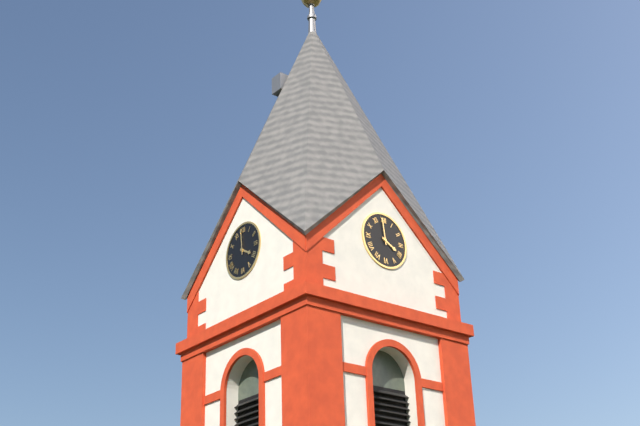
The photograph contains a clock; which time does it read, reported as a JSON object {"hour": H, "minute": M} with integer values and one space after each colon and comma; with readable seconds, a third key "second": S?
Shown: {"hour": 3, "minute": 59}
